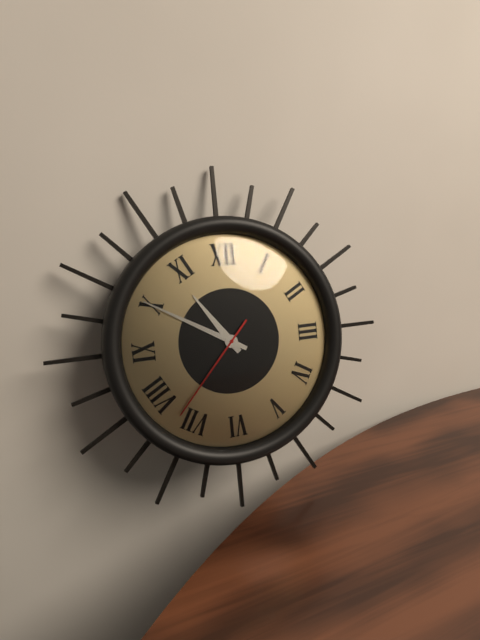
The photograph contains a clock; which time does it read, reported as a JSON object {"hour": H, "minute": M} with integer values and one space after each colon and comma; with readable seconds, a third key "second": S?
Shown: {"hour": 10, "minute": 50, "second": 37}
